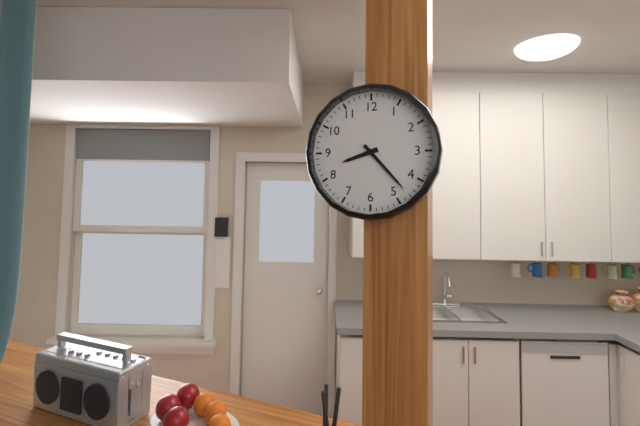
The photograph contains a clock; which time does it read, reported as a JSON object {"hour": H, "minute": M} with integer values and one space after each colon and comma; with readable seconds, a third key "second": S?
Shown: {"hour": 8, "minute": 23}
